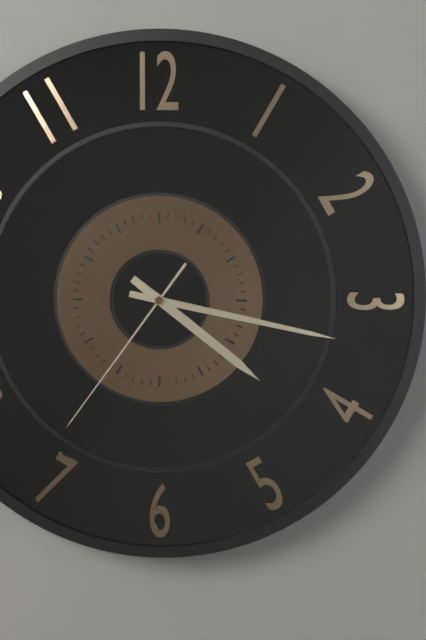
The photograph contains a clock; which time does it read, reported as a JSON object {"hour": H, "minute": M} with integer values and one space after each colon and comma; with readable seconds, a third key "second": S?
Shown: {"hour": 4, "minute": 17, "second": 36}
